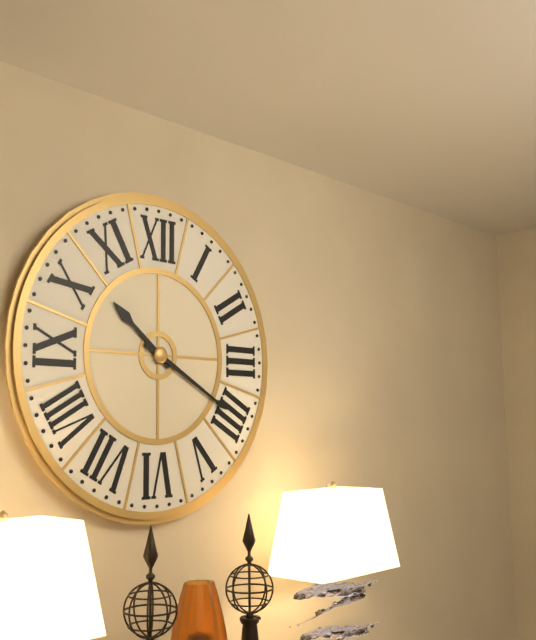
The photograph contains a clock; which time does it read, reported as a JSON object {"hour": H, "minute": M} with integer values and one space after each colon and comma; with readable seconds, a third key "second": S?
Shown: {"hour": 10, "minute": 20}
